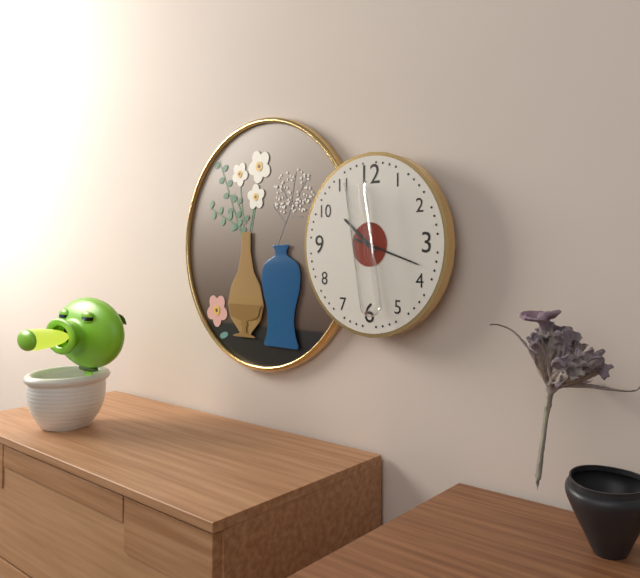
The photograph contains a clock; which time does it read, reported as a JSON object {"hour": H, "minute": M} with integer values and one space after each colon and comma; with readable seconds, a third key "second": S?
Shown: {"hour": 10, "minute": 18}
